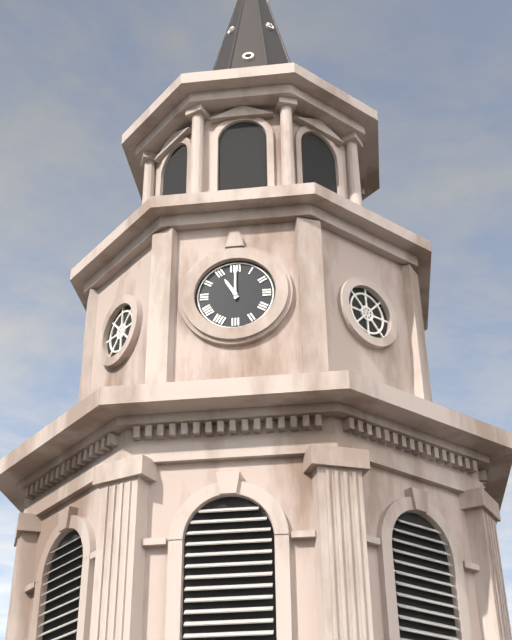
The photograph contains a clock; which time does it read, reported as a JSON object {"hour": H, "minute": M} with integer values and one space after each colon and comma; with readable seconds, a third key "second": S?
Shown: {"hour": 11, "minute": 0}
